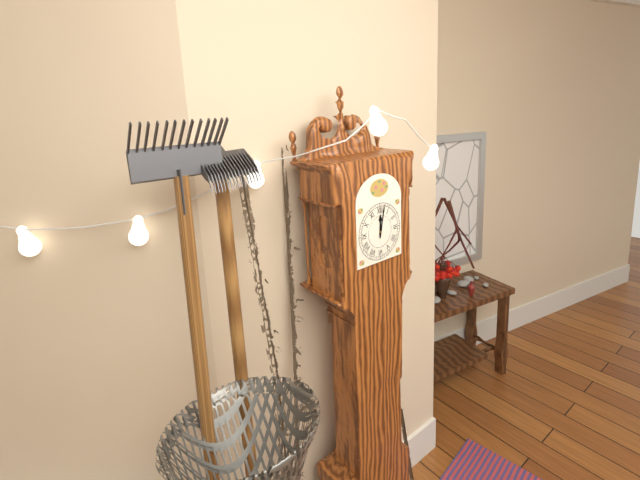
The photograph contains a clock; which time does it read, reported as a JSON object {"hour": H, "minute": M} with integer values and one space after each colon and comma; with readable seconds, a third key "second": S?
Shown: {"hour": 12, "minute": 2}
